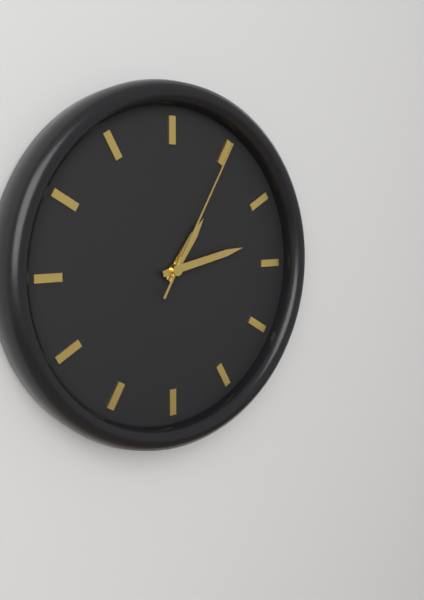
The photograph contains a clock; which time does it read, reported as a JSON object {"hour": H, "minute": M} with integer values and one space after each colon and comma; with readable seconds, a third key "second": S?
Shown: {"hour": 1, "minute": 13, "second": 5}
